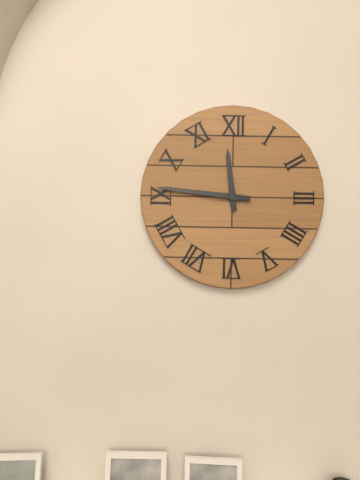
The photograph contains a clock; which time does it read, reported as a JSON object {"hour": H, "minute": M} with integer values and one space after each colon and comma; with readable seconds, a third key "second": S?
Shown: {"hour": 11, "minute": 46}
